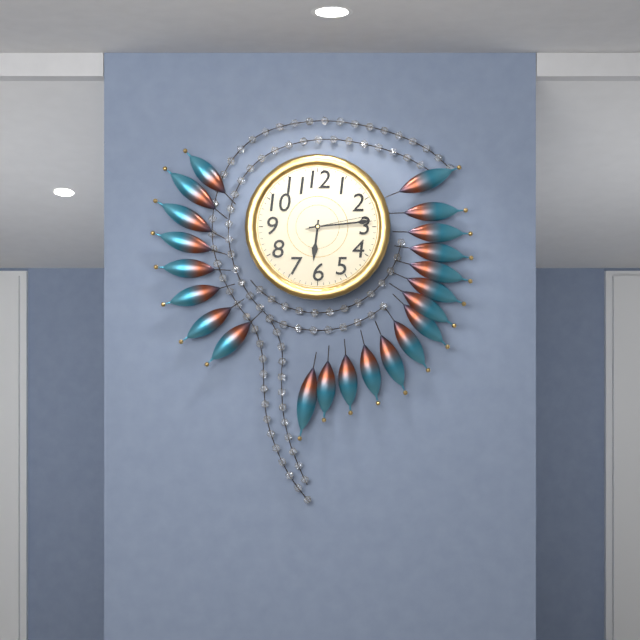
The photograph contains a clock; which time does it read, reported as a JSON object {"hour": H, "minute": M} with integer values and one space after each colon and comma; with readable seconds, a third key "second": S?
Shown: {"hour": 6, "minute": 14, "second": 13}
